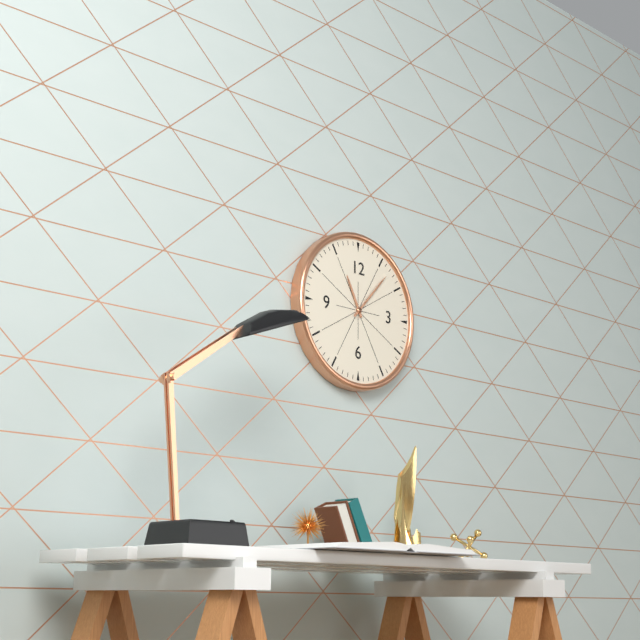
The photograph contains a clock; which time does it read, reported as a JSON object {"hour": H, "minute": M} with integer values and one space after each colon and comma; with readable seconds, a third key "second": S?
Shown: {"hour": 11, "minute": 7}
